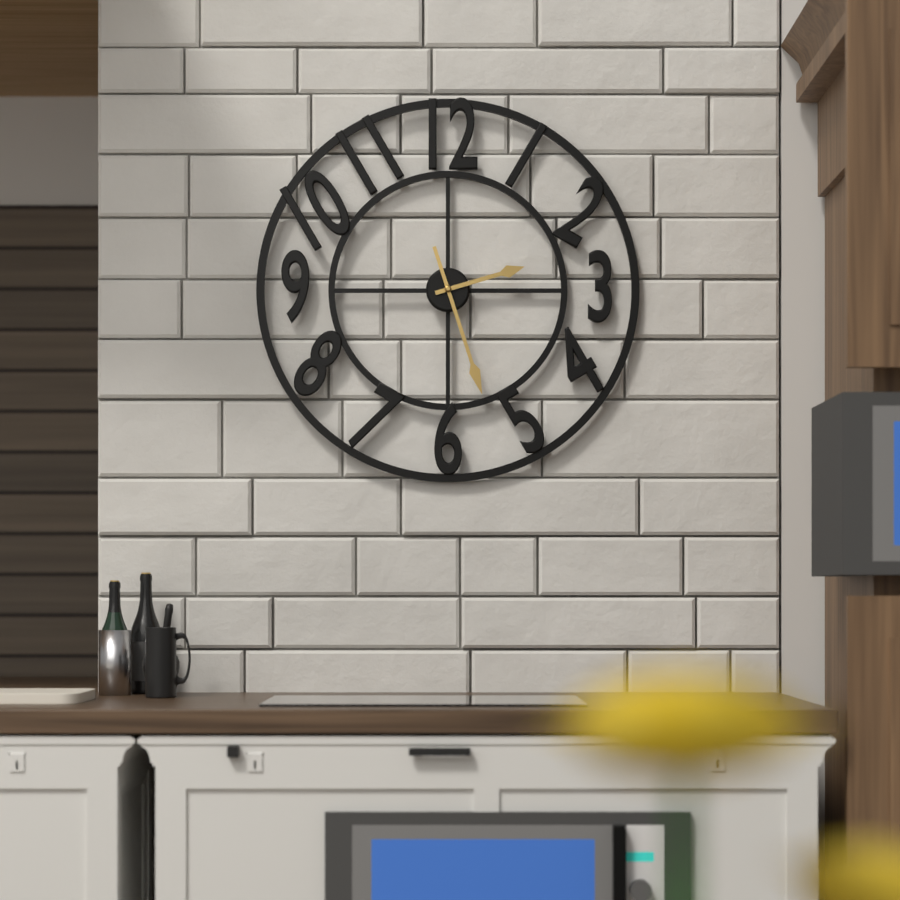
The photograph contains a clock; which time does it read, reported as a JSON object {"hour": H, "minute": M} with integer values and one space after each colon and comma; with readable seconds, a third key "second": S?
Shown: {"hour": 2, "minute": 27}
